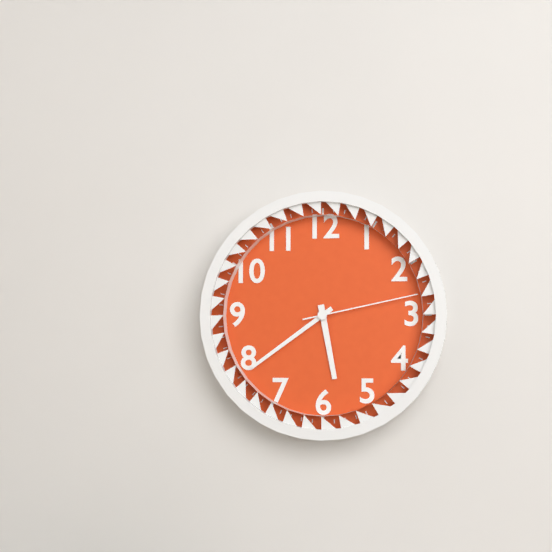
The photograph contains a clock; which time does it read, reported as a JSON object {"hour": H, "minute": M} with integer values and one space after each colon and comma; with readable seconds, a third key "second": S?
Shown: {"hour": 5, "minute": 39, "second": 13}
